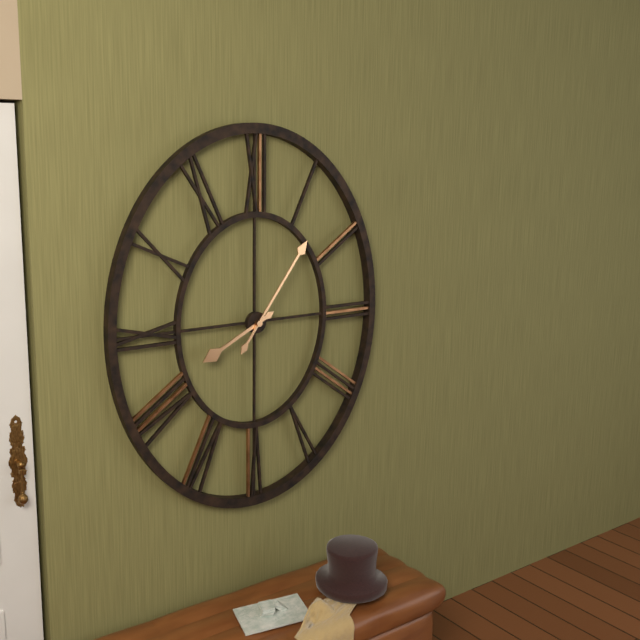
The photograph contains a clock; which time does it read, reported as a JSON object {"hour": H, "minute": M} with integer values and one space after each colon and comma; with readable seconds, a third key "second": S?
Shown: {"hour": 8, "minute": 6}
